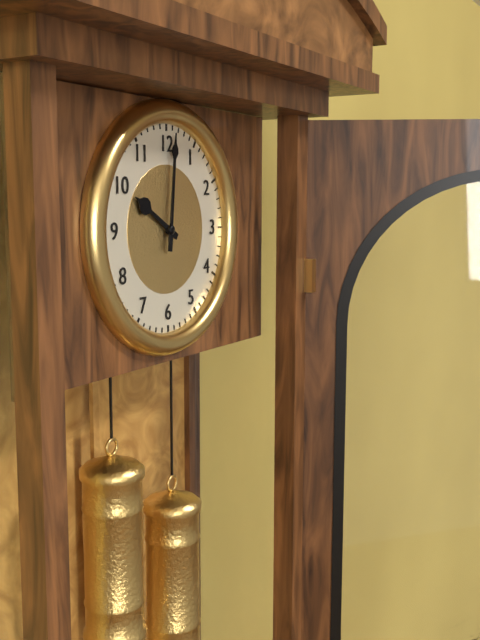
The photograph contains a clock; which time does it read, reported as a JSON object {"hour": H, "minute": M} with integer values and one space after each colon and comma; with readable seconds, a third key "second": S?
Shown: {"hour": 10, "minute": 1}
